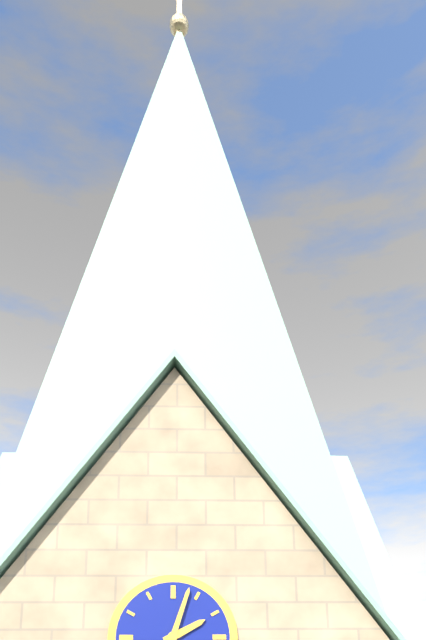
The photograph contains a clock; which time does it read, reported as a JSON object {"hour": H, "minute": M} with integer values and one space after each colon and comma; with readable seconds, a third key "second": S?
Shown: {"hour": 2, "minute": 3}
